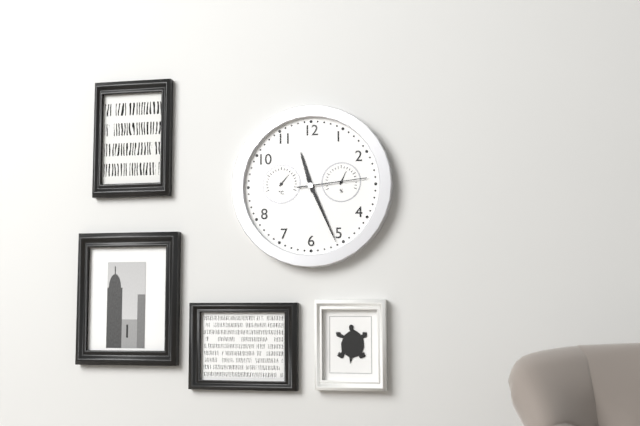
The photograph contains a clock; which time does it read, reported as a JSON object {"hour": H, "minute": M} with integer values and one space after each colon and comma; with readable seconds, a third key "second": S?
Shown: {"hour": 11, "minute": 26, "second": 14}
